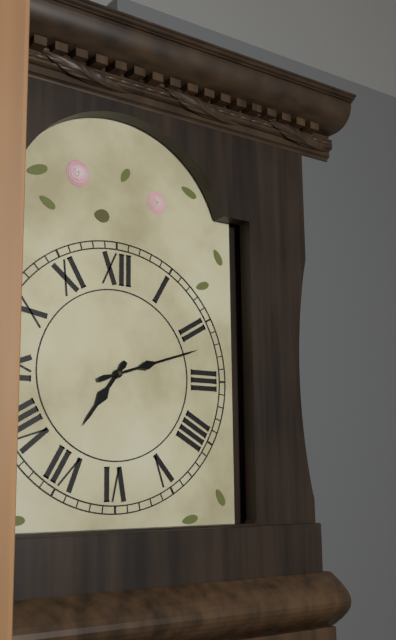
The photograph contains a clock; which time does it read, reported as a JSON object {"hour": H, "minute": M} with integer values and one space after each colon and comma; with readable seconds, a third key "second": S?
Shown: {"hour": 7, "minute": 12}
